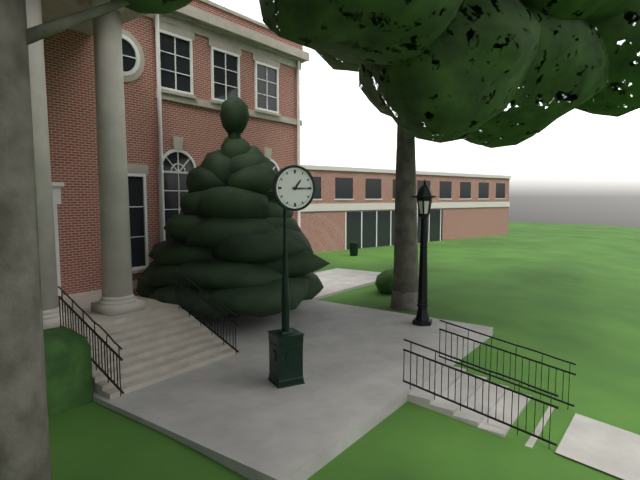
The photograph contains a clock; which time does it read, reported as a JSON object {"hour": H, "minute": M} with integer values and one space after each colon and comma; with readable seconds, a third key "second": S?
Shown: {"hour": 1, "minute": 15}
